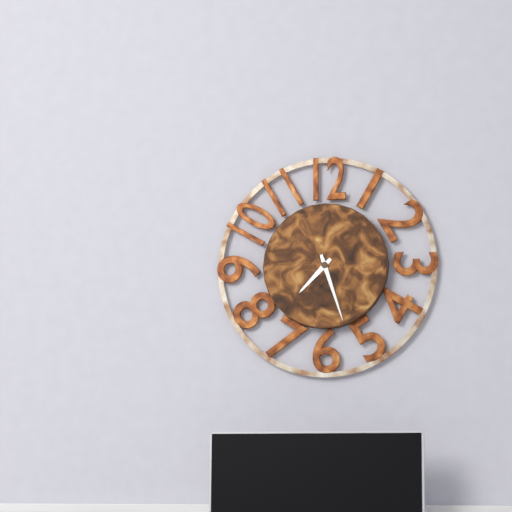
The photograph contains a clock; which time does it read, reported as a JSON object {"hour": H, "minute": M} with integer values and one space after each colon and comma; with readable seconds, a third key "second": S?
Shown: {"hour": 7, "minute": 27}
